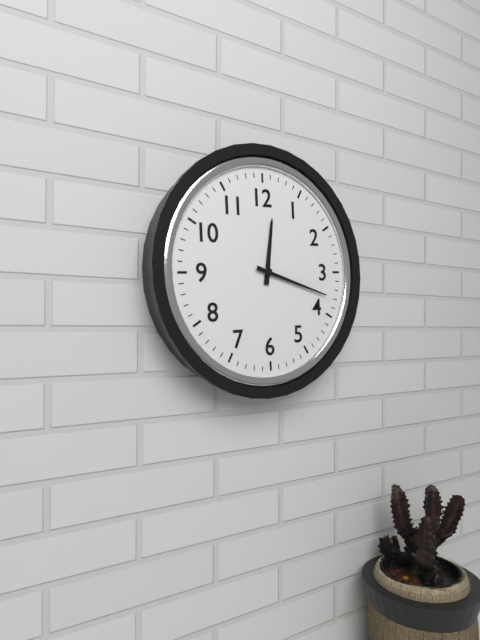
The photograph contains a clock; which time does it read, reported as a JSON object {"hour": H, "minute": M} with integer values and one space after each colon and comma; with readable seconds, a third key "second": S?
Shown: {"hour": 12, "minute": 18}
